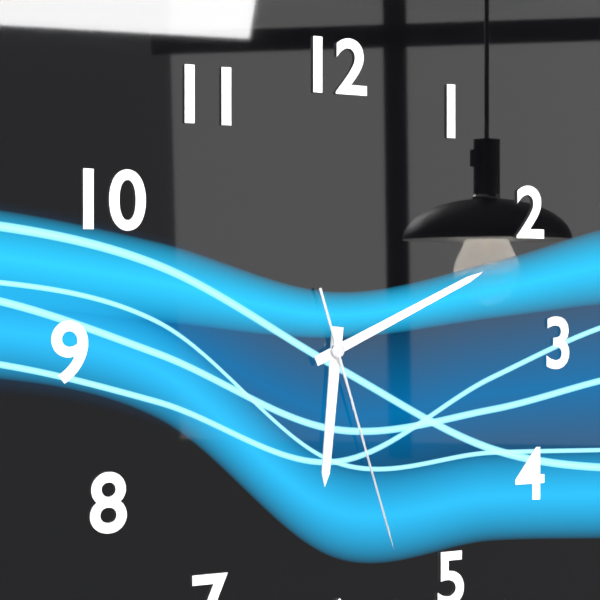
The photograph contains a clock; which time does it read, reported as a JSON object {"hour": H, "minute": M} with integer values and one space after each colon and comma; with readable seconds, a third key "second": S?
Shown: {"hour": 6, "minute": 11, "second": 27}
